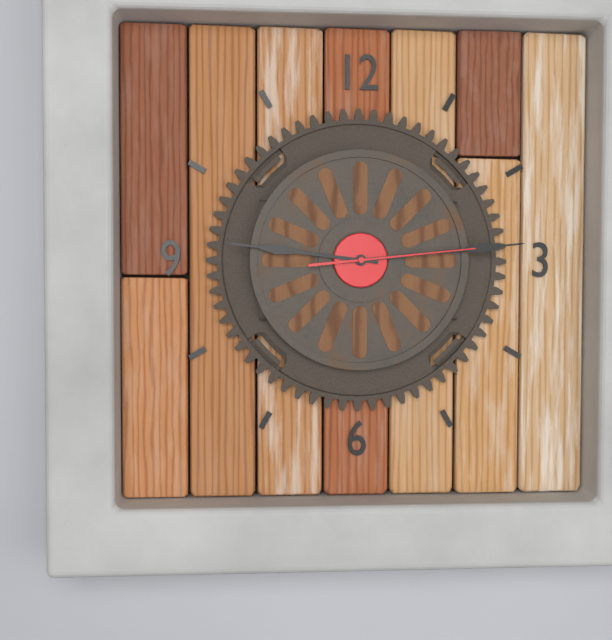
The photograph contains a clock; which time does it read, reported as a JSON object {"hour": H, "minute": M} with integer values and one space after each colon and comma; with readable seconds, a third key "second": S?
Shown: {"hour": 9, "minute": 14, "second": 14}
